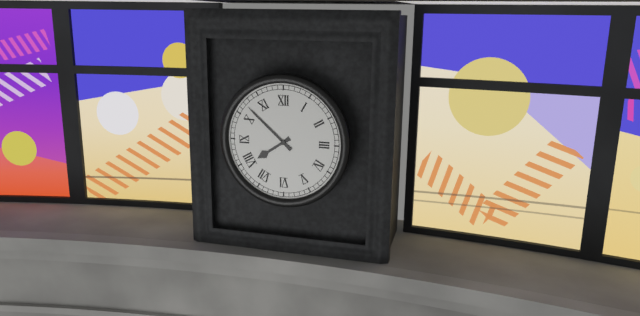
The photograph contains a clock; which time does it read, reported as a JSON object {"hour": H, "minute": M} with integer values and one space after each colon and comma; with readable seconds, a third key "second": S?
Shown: {"hour": 7, "minute": 52}
